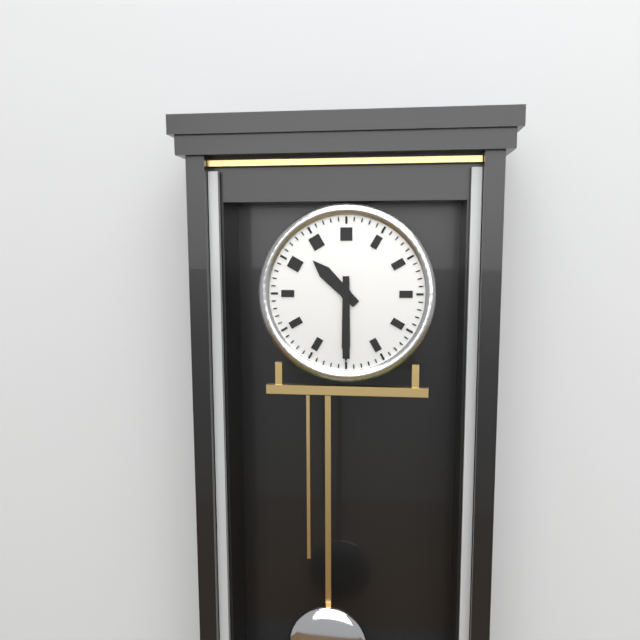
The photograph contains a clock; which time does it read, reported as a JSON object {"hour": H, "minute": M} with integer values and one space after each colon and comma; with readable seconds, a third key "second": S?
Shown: {"hour": 10, "minute": 30}
